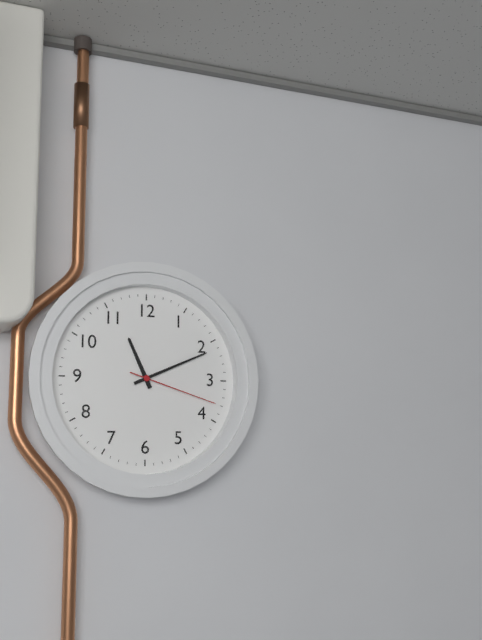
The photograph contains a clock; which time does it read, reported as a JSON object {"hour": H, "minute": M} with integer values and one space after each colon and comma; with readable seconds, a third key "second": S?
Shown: {"hour": 11, "minute": 11, "second": 18}
